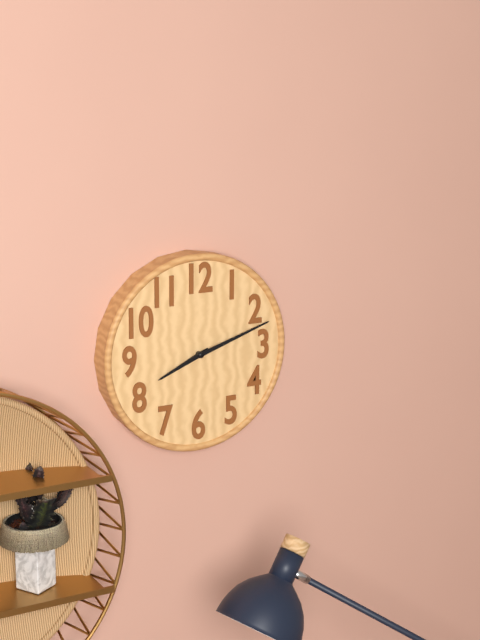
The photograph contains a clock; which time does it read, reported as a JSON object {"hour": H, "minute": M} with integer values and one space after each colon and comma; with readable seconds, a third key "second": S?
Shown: {"hour": 8, "minute": 12}
